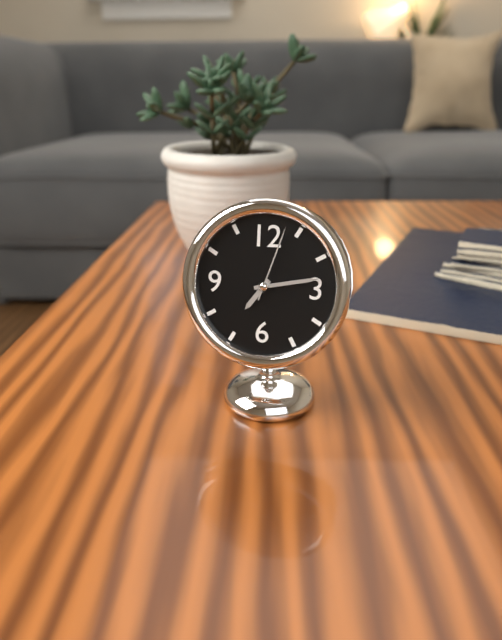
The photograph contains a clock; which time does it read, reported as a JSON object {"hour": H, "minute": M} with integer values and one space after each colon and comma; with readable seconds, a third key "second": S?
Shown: {"hour": 7, "minute": 13, "second": 3}
